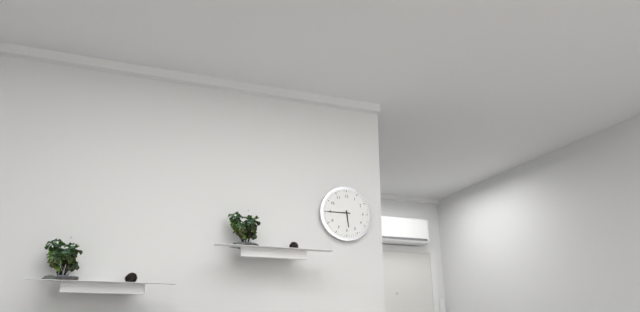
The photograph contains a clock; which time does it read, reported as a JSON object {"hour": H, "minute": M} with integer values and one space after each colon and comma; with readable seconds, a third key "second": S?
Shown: {"hour": 5, "minute": 45}
